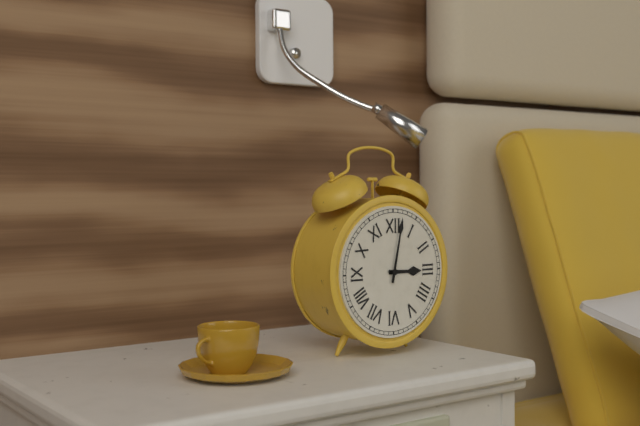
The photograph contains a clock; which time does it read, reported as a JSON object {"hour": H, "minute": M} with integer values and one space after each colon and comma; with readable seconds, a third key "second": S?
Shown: {"hour": 3, "minute": 2}
